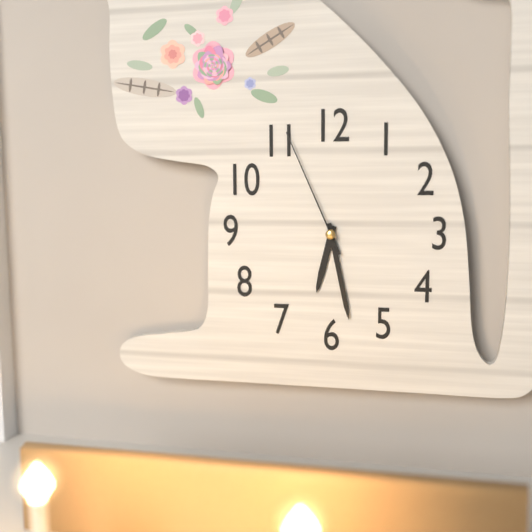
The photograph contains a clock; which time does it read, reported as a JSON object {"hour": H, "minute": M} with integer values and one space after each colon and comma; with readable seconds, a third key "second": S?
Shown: {"hour": 6, "minute": 28, "second": 56}
